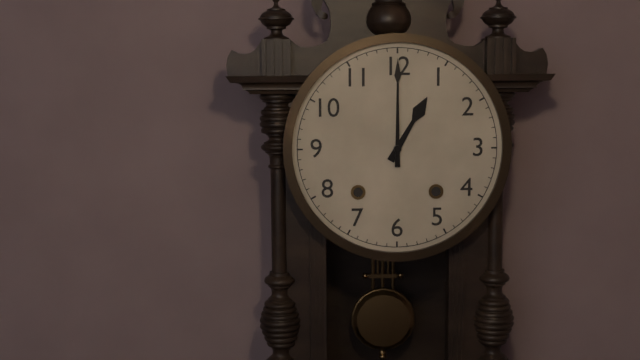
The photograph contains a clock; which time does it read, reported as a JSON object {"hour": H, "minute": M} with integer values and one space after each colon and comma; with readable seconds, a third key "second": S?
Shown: {"hour": 1, "minute": 0}
